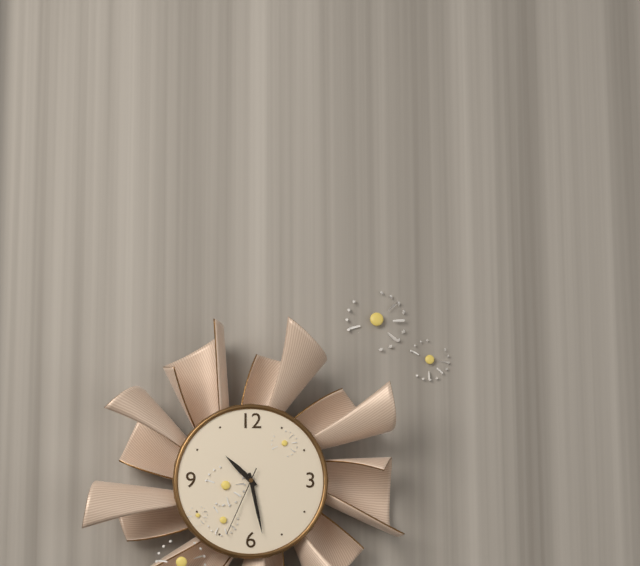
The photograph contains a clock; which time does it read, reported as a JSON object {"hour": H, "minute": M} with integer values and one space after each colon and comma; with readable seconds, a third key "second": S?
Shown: {"hour": 10, "minute": 28, "second": 34}
